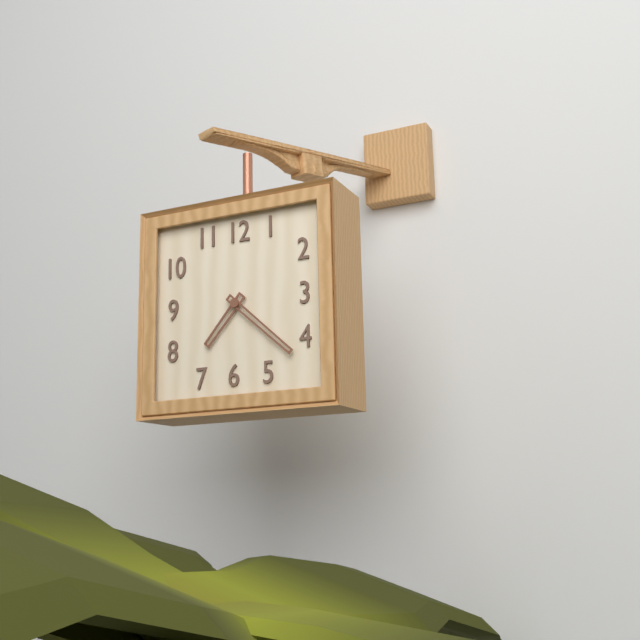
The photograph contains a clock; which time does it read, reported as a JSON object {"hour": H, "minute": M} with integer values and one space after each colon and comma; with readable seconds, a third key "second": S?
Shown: {"hour": 7, "minute": 22}
